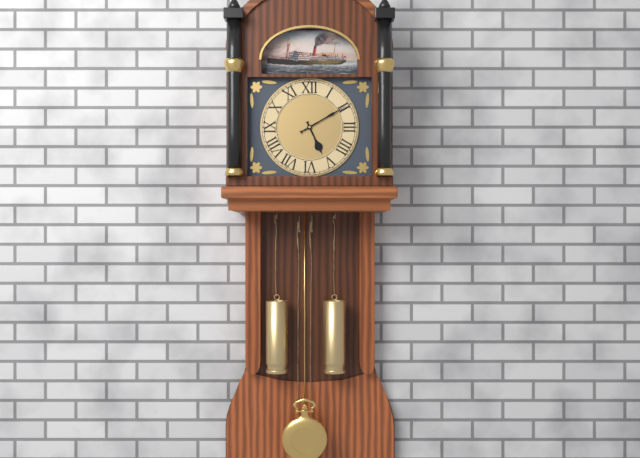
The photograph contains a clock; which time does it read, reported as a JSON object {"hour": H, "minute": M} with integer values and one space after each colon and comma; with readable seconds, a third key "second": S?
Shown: {"hour": 5, "minute": 10}
